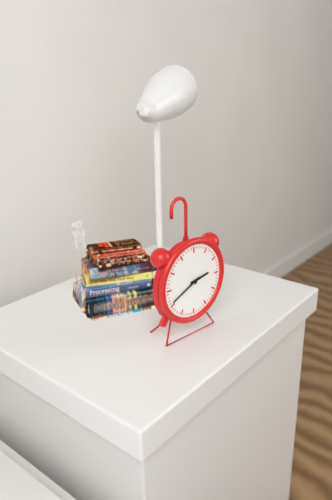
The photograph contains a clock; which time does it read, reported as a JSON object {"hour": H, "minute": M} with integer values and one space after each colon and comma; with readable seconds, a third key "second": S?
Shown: {"hour": 2, "minute": 41}
